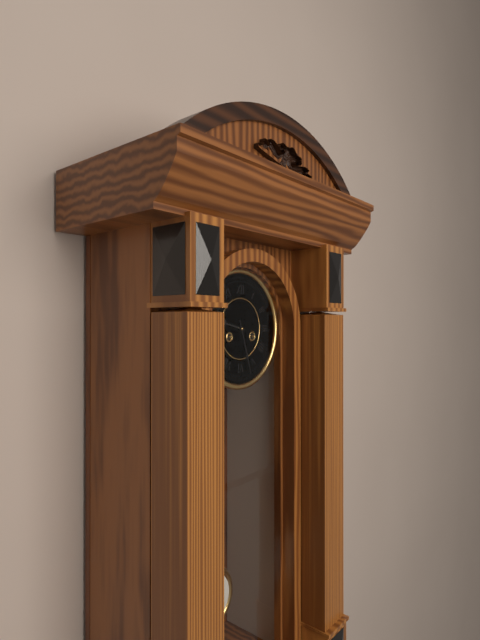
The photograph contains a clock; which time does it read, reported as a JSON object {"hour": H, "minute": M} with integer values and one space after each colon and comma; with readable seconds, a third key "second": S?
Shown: {"hour": 9, "minute": 27}
